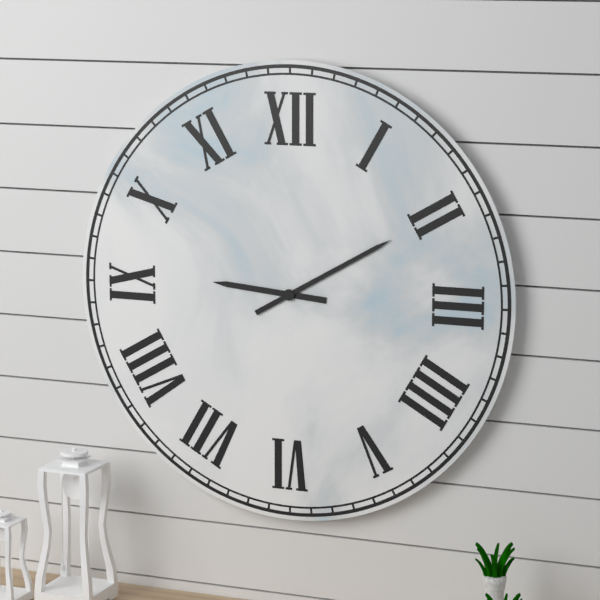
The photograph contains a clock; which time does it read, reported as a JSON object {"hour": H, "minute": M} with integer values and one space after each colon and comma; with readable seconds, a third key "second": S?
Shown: {"hour": 9, "minute": 10}
